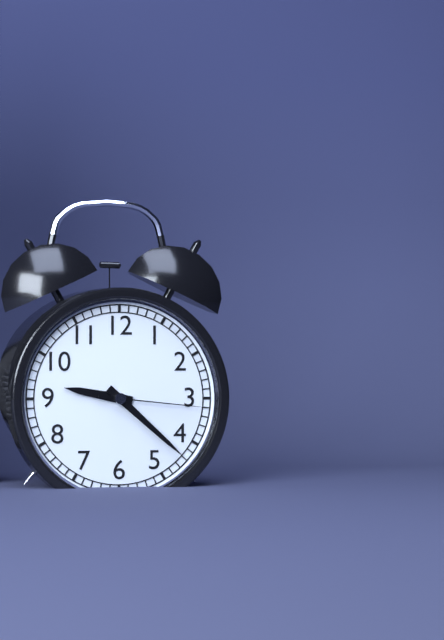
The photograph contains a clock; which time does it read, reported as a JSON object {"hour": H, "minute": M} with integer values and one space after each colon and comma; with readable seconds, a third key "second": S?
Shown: {"hour": 9, "minute": 22, "second": 16}
